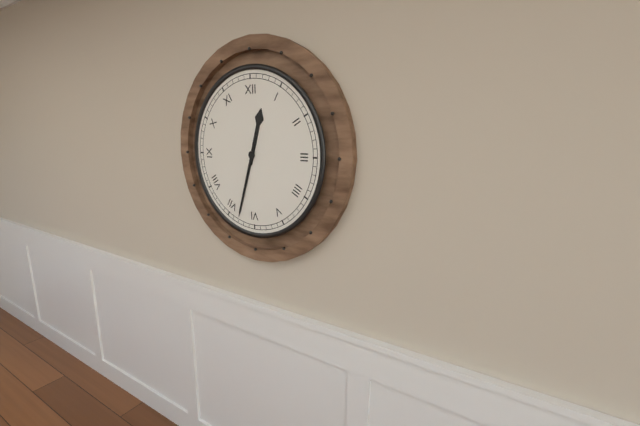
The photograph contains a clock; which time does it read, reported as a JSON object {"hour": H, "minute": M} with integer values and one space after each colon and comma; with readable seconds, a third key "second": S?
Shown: {"hour": 12, "minute": 33}
